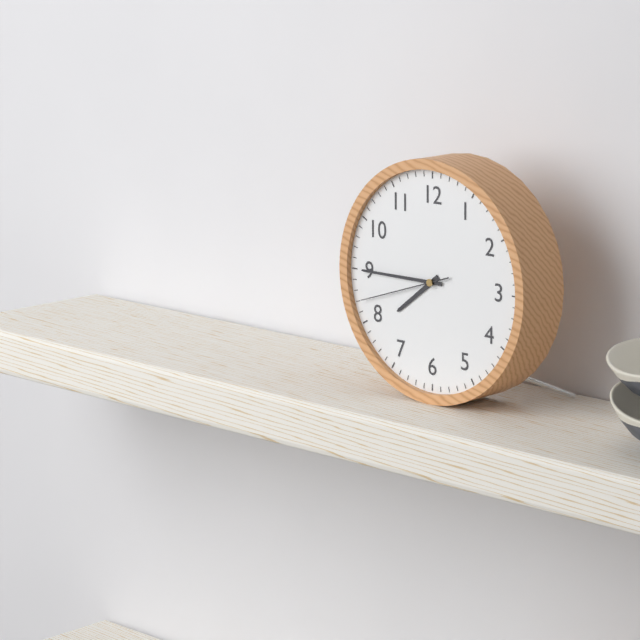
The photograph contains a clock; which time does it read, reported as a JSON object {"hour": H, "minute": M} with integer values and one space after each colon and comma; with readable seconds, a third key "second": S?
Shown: {"hour": 7, "minute": 45, "second": 42}
